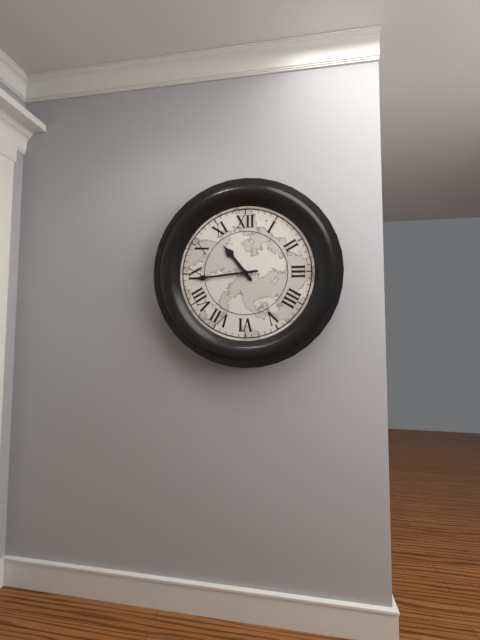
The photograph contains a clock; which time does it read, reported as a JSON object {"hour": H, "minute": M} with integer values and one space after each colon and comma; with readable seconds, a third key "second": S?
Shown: {"hour": 10, "minute": 44}
